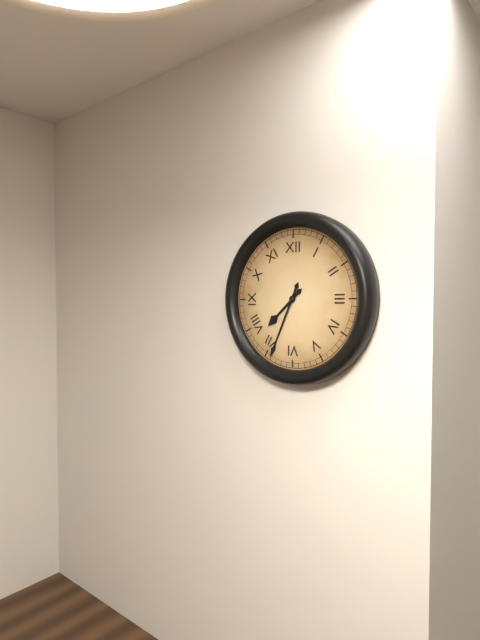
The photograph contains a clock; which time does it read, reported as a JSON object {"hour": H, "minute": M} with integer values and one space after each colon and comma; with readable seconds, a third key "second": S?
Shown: {"hour": 7, "minute": 34}
